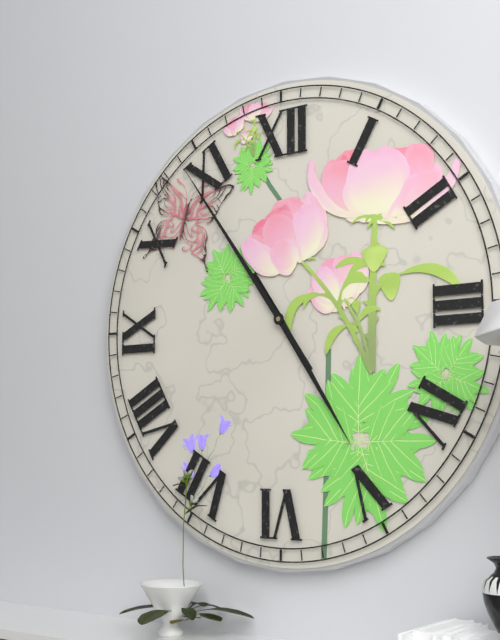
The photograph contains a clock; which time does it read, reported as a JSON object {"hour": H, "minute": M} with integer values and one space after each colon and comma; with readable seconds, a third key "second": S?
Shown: {"hour": 4, "minute": 54}
